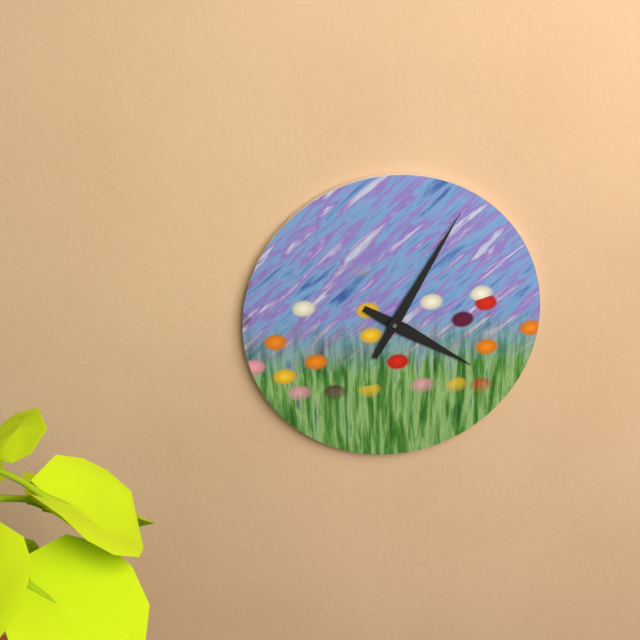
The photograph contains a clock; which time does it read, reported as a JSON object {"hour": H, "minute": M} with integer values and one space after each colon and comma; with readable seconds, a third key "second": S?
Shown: {"hour": 4, "minute": 5}
